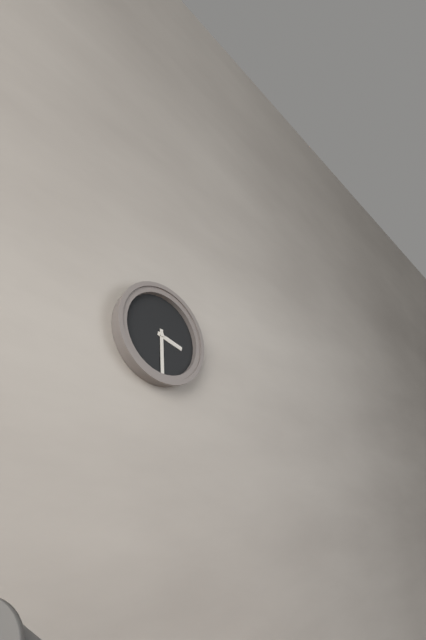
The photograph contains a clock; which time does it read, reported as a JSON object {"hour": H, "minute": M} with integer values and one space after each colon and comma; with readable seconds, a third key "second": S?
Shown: {"hour": 3, "minute": 30}
